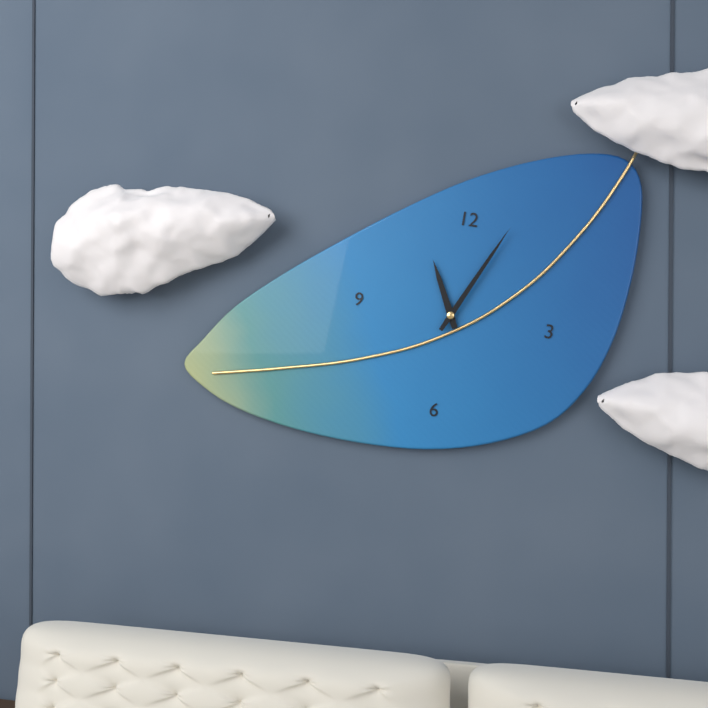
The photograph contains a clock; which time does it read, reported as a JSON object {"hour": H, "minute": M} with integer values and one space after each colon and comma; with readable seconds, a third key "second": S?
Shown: {"hour": 11, "minute": 4}
